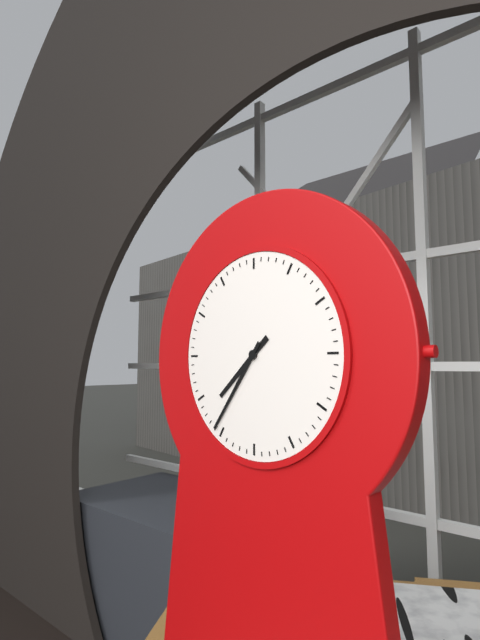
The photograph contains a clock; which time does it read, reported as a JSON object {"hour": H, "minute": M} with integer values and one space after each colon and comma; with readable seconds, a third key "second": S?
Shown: {"hour": 7, "minute": 36}
